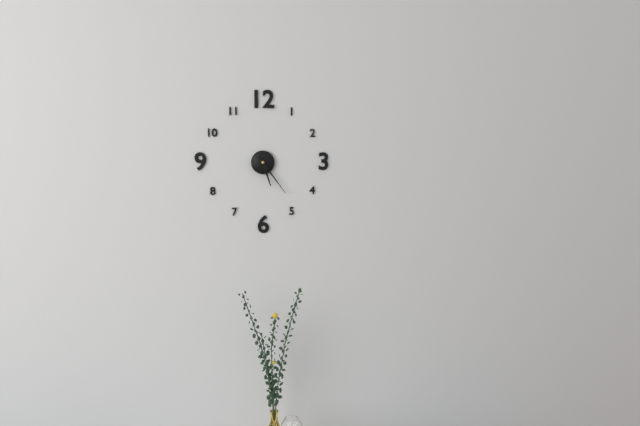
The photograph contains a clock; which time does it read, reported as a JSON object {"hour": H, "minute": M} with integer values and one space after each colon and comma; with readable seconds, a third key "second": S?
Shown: {"hour": 5, "minute": 24}
